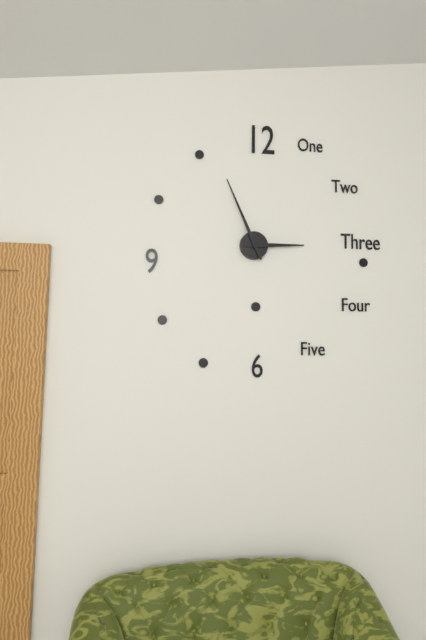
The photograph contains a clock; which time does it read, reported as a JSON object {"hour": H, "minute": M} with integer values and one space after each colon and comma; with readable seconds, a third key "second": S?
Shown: {"hour": 2, "minute": 56}
